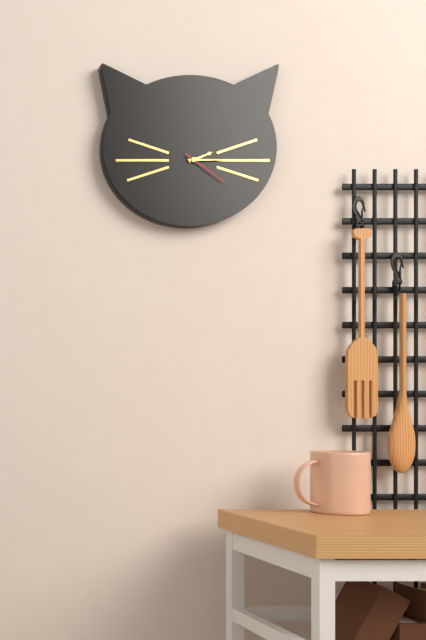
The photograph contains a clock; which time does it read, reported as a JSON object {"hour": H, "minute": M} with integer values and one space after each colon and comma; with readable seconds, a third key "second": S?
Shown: {"hour": 2, "minute": 15, "second": 21}
